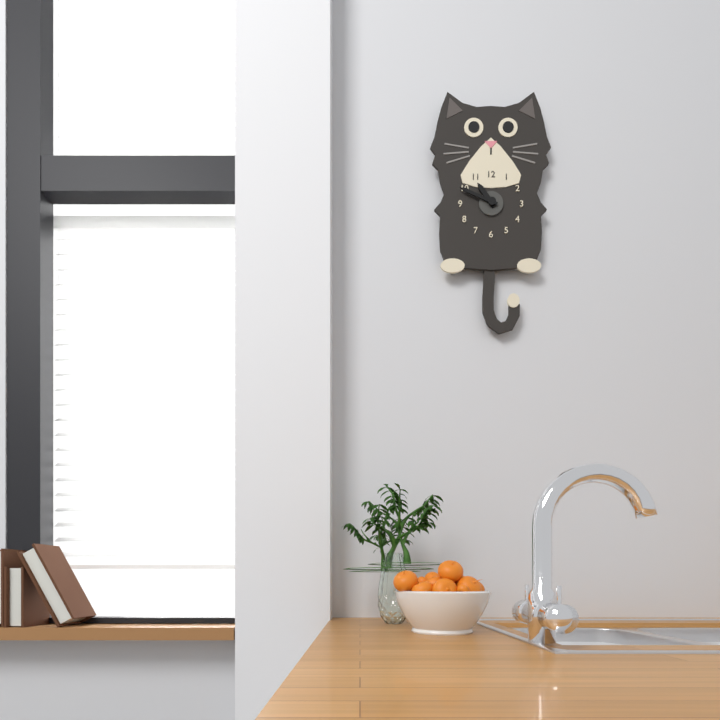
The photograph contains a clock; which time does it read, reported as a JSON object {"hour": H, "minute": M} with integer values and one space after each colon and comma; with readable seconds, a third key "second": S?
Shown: {"hour": 10, "minute": 49}
